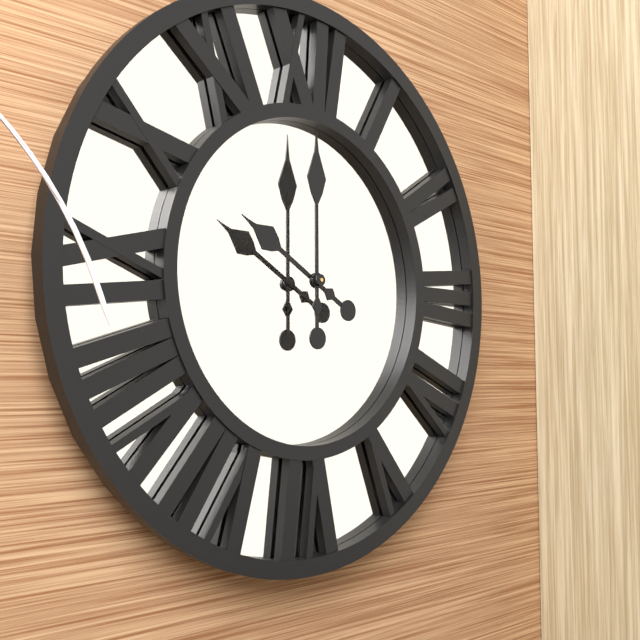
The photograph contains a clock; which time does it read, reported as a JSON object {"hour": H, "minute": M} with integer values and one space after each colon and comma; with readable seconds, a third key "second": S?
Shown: {"hour": 10, "minute": 0}
